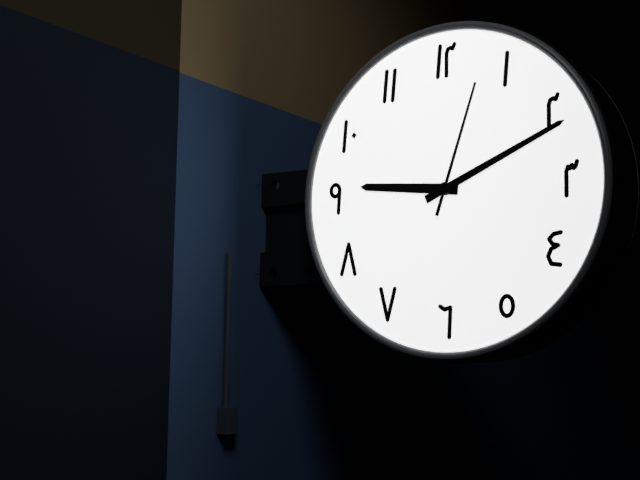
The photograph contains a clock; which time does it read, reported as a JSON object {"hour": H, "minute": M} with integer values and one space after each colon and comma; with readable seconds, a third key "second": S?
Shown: {"hour": 9, "minute": 11, "second": 3}
